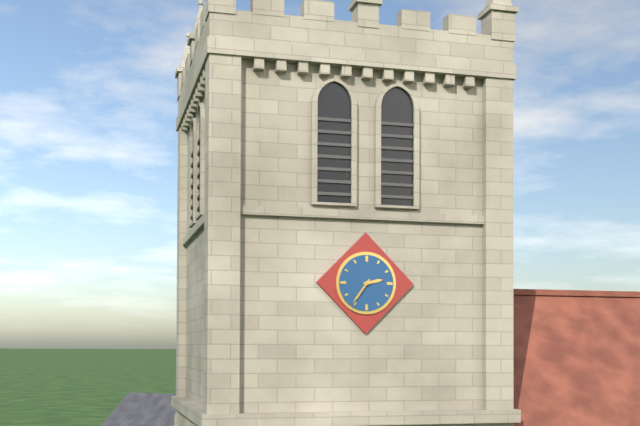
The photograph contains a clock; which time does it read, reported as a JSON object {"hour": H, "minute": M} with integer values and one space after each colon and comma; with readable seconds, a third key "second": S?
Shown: {"hour": 2, "minute": 36}
